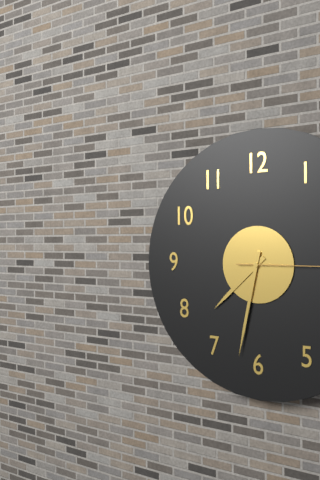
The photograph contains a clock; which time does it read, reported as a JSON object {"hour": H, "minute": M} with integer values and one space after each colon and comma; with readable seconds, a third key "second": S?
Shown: {"hour": 7, "minute": 32}
